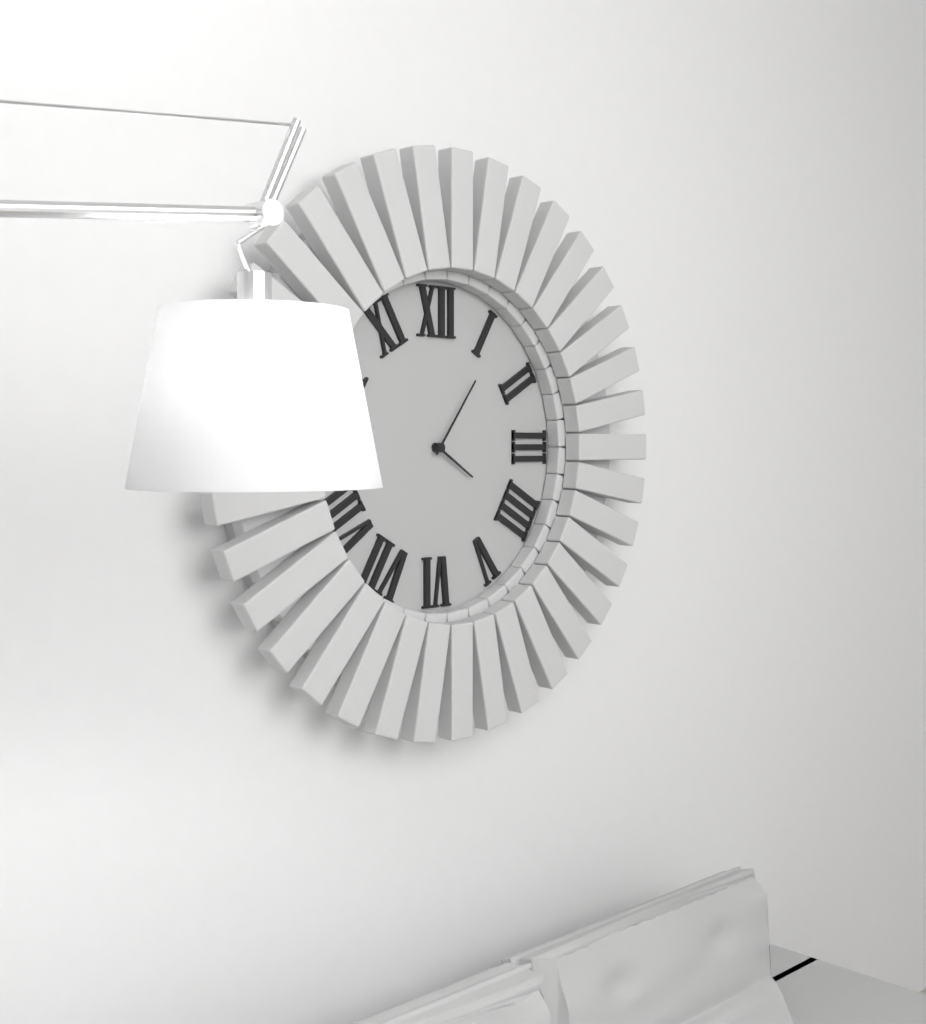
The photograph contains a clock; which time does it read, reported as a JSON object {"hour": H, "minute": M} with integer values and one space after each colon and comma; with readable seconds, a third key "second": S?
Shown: {"hour": 4, "minute": 6}
